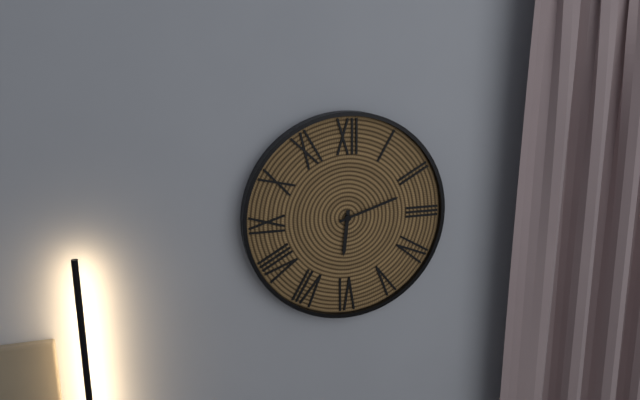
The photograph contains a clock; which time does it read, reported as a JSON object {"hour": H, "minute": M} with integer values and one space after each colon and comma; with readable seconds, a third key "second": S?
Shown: {"hour": 6, "minute": 12}
